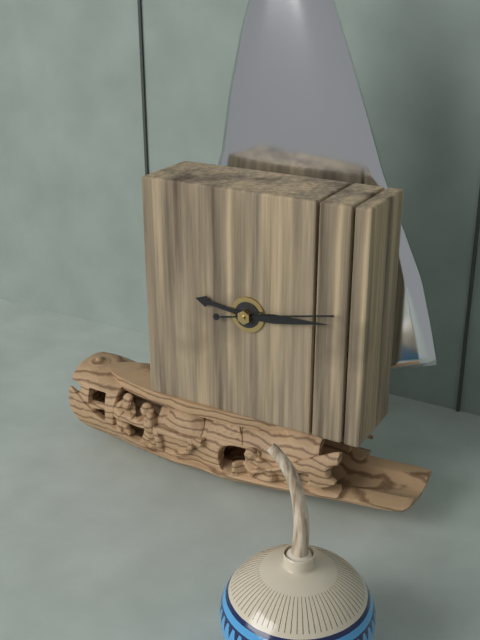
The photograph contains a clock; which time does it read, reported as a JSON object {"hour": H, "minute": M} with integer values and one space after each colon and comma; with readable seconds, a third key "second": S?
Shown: {"hour": 9, "minute": 14, "second": 13}
